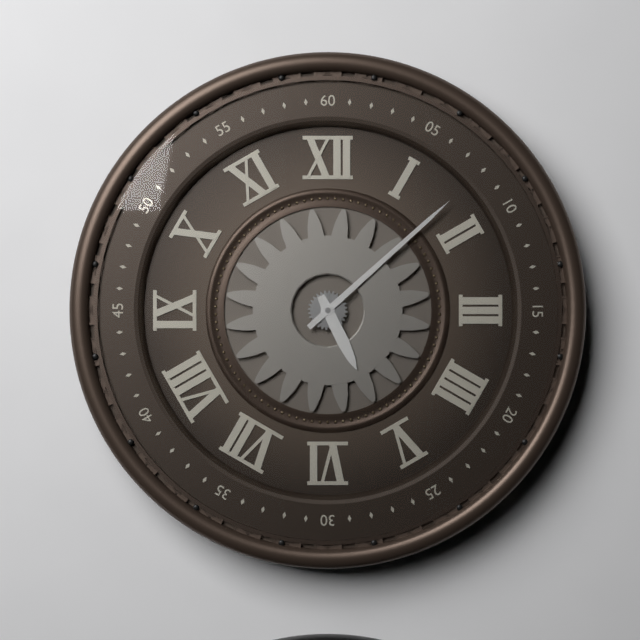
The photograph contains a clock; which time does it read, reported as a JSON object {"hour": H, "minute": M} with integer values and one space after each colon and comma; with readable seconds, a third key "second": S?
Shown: {"hour": 5, "minute": 8}
